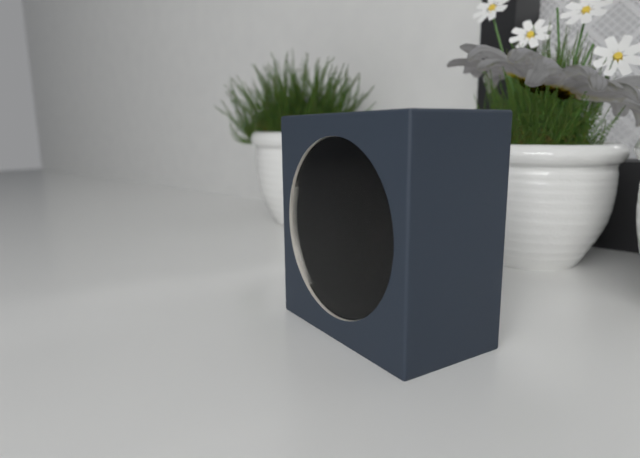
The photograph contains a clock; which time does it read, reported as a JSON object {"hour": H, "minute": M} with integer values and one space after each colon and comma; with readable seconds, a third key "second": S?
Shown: {"hour": 3, "minute": 26, "second": 31}
